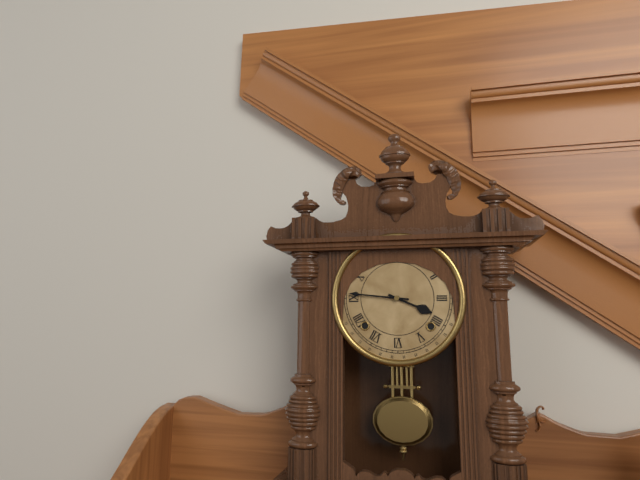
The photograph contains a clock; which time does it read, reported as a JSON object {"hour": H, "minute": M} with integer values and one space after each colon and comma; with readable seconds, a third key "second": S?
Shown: {"hour": 3, "minute": 46}
